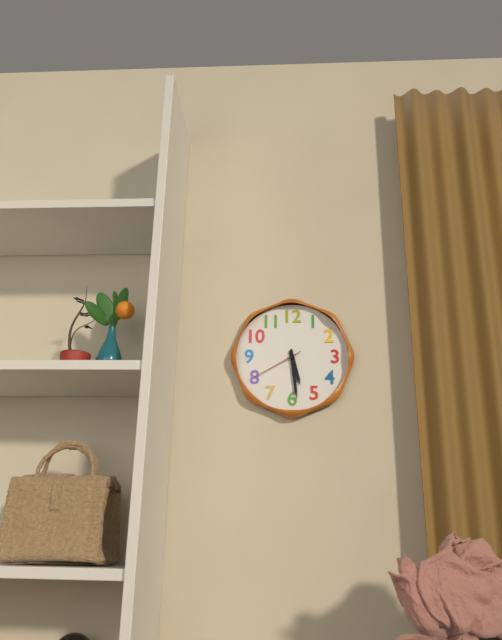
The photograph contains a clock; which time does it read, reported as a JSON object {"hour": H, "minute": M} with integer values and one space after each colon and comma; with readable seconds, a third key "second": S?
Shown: {"hour": 5, "minute": 29, "second": 40}
